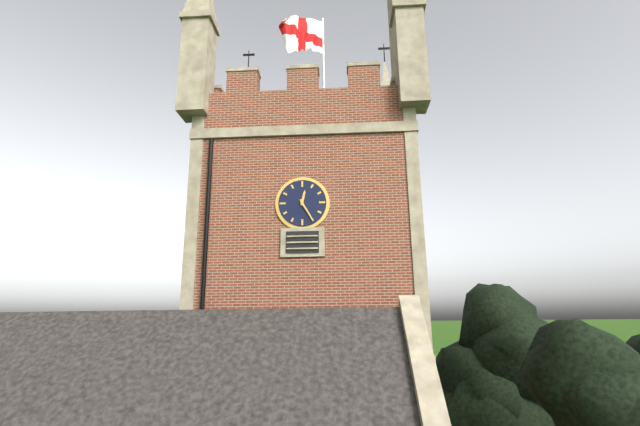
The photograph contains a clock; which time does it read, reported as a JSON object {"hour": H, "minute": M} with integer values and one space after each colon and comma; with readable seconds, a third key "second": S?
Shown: {"hour": 12, "minute": 25}
